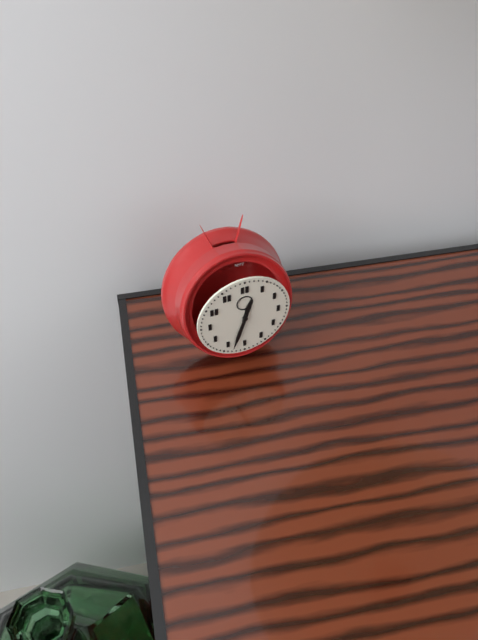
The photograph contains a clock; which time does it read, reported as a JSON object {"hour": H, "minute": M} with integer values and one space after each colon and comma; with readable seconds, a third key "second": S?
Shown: {"hour": 12, "minute": 33}
